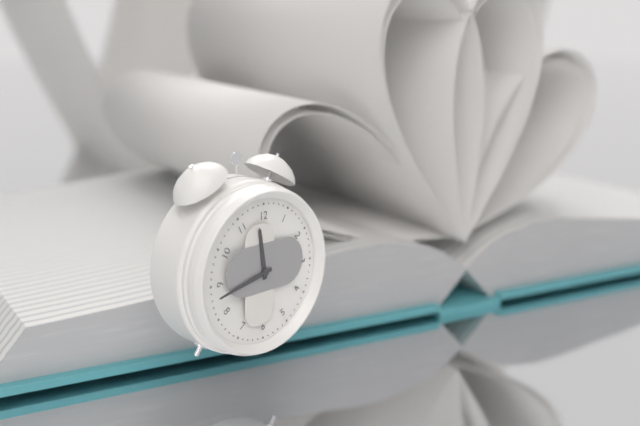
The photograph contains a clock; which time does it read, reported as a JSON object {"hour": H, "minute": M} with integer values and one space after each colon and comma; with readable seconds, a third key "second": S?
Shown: {"hour": 11, "minute": 43}
